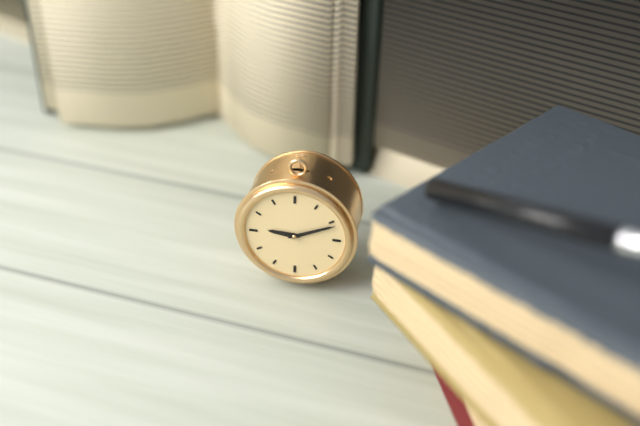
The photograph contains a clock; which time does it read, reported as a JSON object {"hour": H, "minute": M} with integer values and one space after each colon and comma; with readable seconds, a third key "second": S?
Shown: {"hour": 9, "minute": 11}
